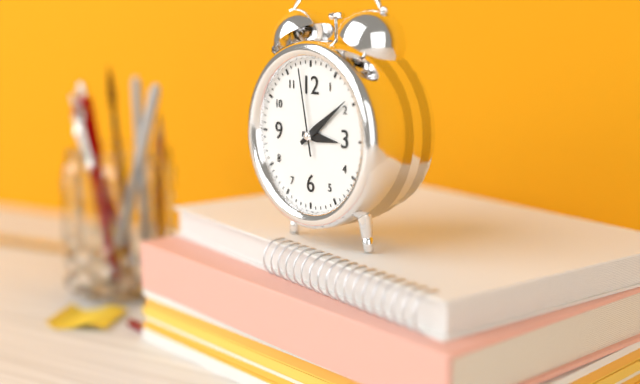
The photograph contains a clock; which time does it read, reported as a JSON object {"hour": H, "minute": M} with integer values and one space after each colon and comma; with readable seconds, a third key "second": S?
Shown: {"hour": 3, "minute": 9, "second": 58}
